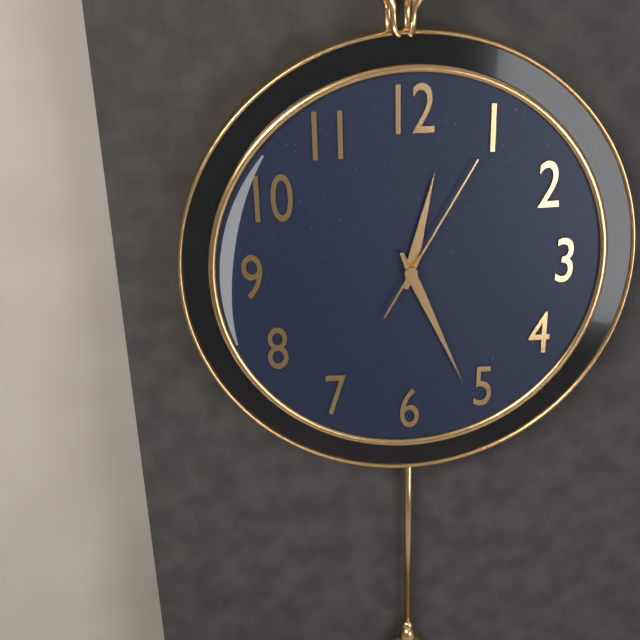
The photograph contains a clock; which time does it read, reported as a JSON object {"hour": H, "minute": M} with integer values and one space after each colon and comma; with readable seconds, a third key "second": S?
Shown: {"hour": 12, "minute": 26, "second": 5}
